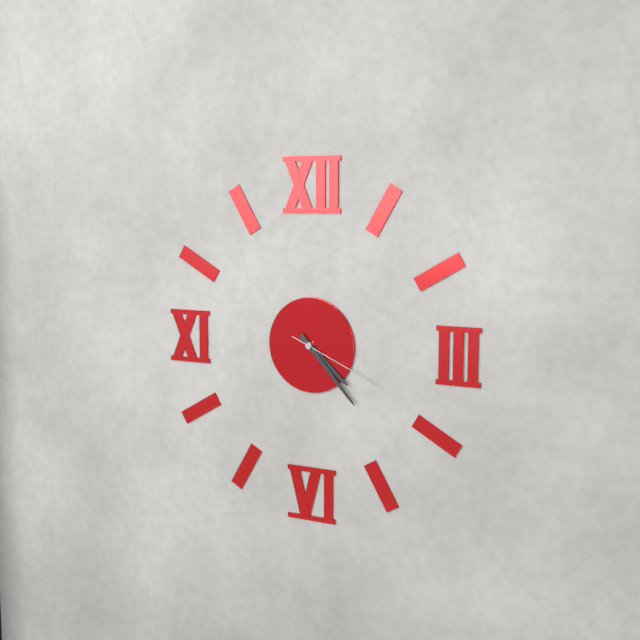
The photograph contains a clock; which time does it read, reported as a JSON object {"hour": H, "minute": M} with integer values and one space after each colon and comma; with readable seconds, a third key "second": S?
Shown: {"hour": 4, "minute": 23, "second": 19}
